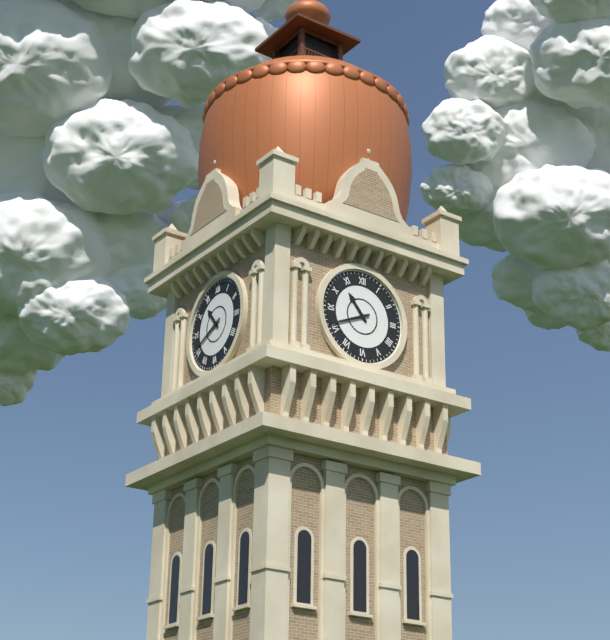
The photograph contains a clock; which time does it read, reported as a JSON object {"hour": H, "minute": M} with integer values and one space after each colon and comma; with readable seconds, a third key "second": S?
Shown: {"hour": 10, "minute": 41}
